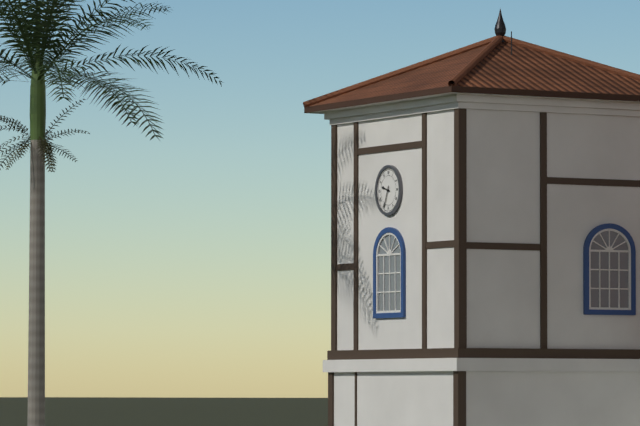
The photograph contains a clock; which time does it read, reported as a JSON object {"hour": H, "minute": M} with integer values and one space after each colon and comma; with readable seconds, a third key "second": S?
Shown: {"hour": 9, "minute": 34}
